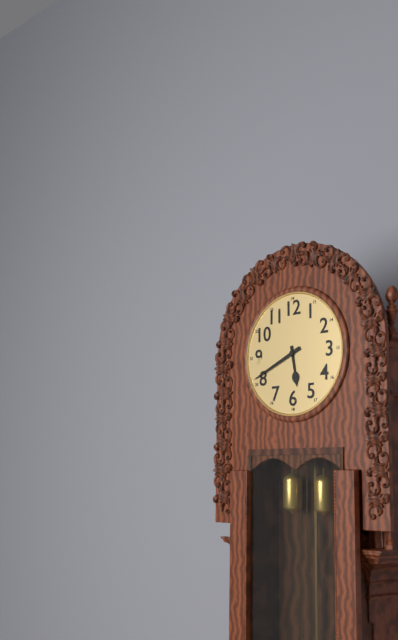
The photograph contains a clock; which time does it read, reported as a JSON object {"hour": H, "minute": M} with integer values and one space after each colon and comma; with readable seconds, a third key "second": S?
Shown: {"hour": 5, "minute": 41}
